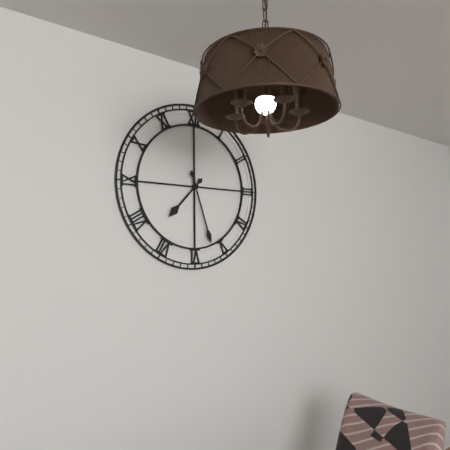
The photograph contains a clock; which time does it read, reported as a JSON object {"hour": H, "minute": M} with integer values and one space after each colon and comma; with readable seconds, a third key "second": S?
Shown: {"hour": 7, "minute": 27}
